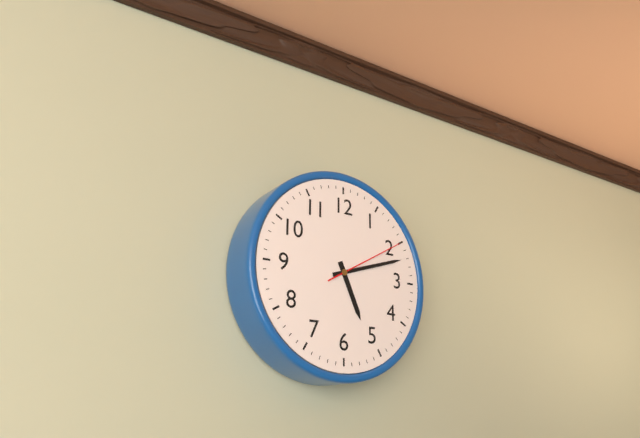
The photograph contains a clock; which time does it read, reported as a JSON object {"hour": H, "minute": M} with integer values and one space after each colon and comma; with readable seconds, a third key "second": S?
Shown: {"hour": 5, "minute": 12, "second": 10}
